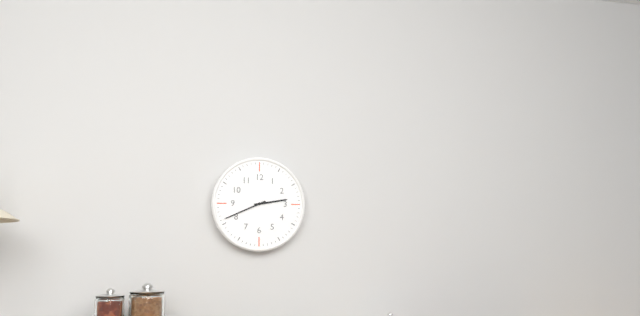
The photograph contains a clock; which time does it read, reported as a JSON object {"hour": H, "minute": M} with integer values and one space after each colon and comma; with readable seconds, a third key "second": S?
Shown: {"hour": 2, "minute": 41}
